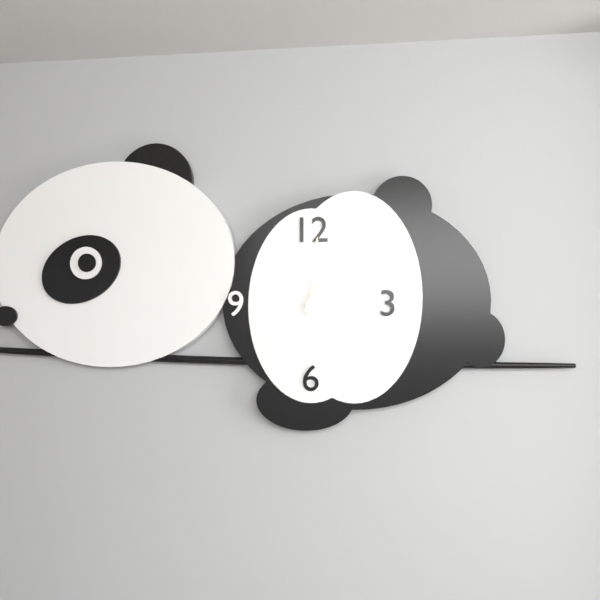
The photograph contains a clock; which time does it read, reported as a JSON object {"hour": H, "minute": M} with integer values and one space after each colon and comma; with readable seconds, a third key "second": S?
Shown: {"hour": 1, "minute": 1}
